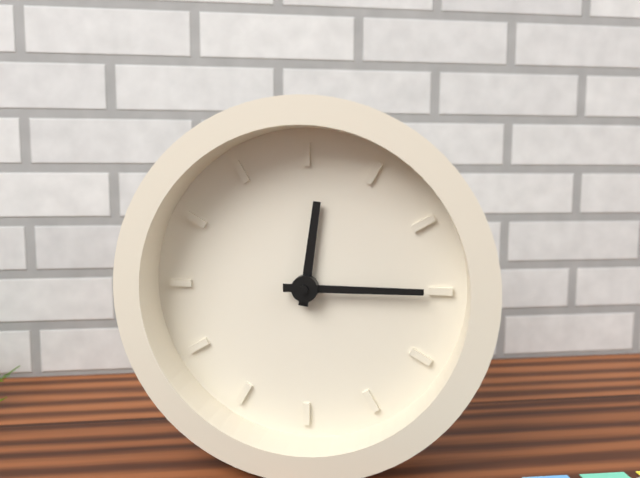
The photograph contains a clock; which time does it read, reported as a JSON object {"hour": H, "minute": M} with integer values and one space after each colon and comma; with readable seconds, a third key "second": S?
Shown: {"hour": 12, "minute": 15}
